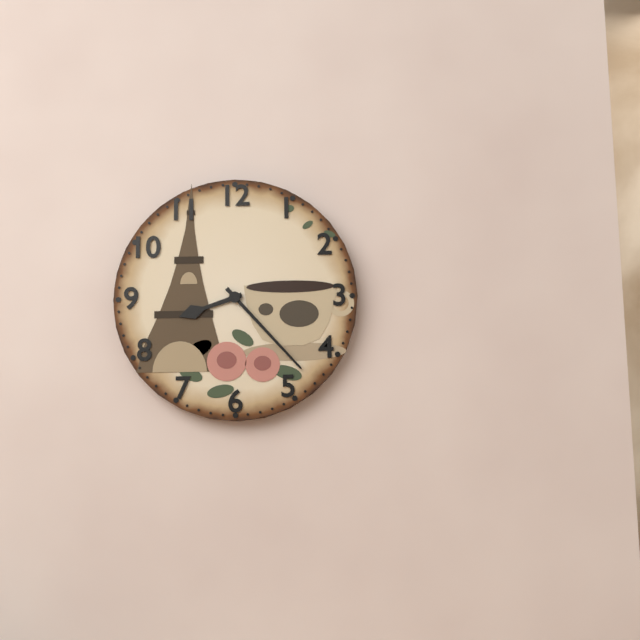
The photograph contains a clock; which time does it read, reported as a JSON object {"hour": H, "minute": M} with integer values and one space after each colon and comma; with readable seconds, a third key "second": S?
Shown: {"hour": 8, "minute": 23}
